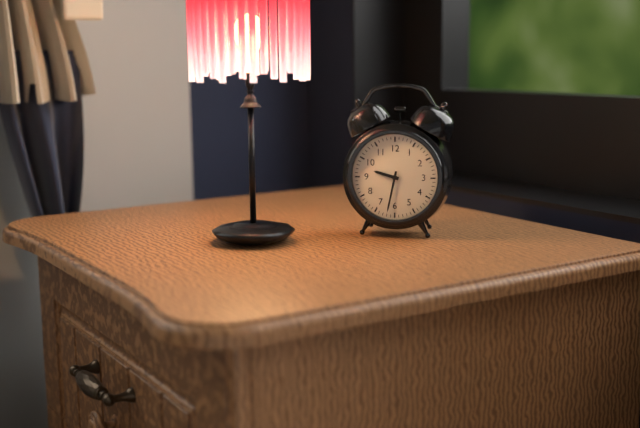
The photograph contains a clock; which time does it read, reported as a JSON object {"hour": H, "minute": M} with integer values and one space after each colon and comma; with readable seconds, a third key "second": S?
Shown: {"hour": 9, "minute": 32}
